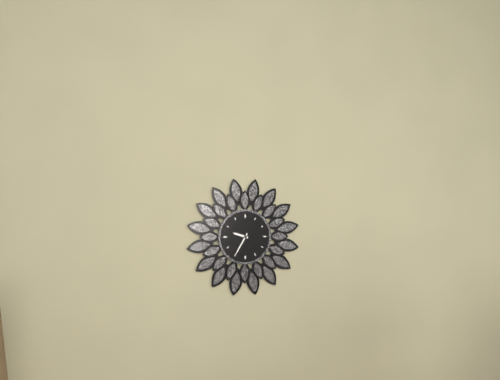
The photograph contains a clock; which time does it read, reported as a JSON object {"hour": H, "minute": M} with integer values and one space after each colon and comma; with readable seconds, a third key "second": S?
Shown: {"hour": 9, "minute": 35}
